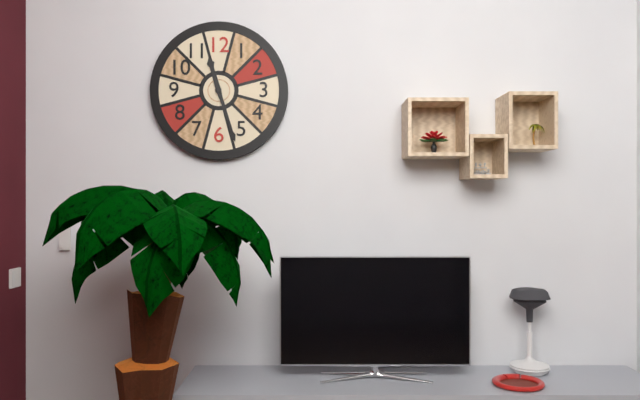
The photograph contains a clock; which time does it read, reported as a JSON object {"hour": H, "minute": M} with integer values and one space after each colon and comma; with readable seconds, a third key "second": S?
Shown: {"hour": 11, "minute": 27}
